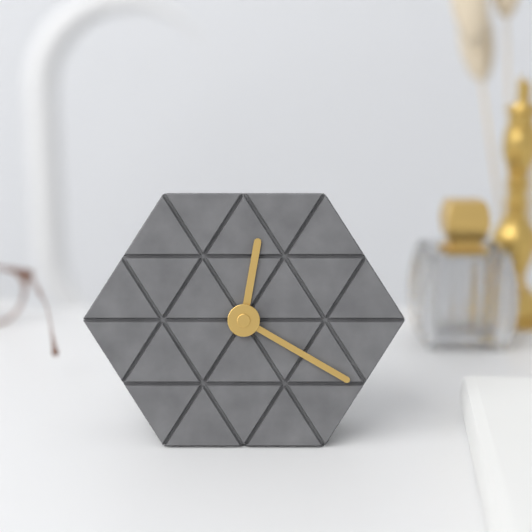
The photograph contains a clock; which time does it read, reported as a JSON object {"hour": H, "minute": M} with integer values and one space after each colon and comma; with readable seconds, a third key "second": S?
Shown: {"hour": 12, "minute": 20}
